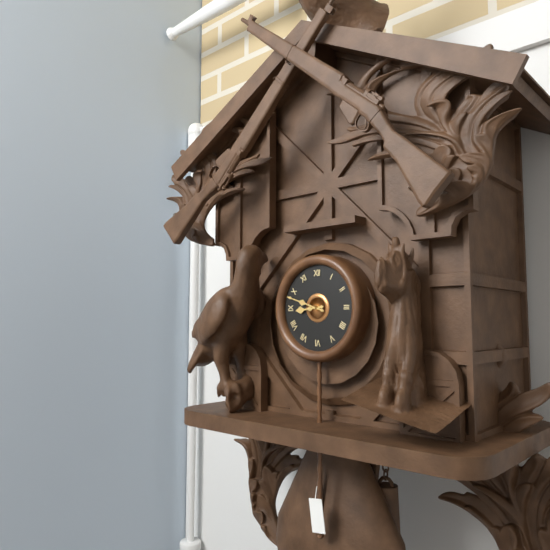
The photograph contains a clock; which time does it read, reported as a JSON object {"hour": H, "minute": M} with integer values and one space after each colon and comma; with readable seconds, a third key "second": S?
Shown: {"hour": 8, "minute": 48}
